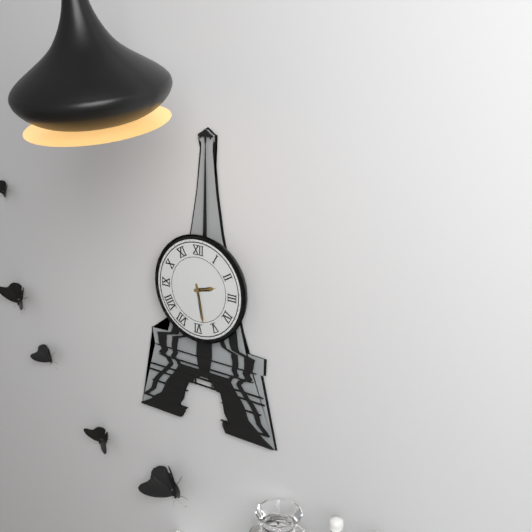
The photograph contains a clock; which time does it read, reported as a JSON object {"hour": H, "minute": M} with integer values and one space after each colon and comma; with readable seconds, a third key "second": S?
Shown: {"hour": 2, "minute": 28}
